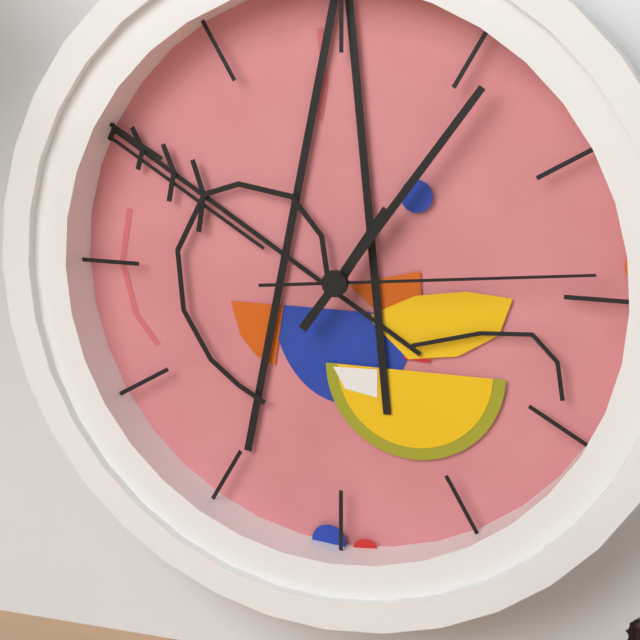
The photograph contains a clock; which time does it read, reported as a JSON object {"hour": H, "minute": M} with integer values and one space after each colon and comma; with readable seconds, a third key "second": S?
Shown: {"hour": 1, "minute": 6, "second": 14}
